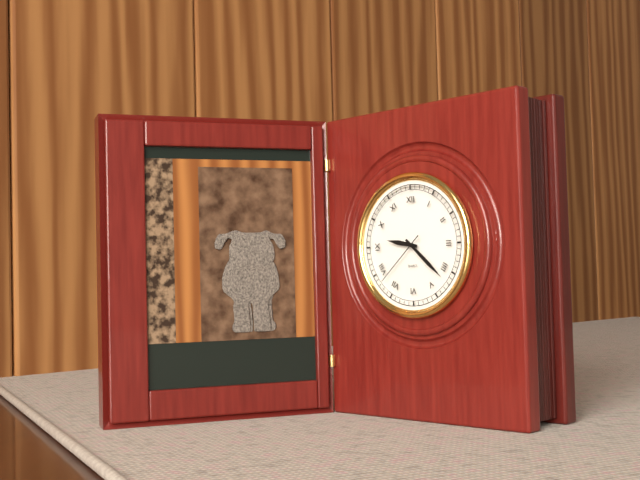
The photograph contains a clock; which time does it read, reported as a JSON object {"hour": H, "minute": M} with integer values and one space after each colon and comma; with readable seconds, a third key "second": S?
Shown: {"hour": 9, "minute": 22, "second": 38}
